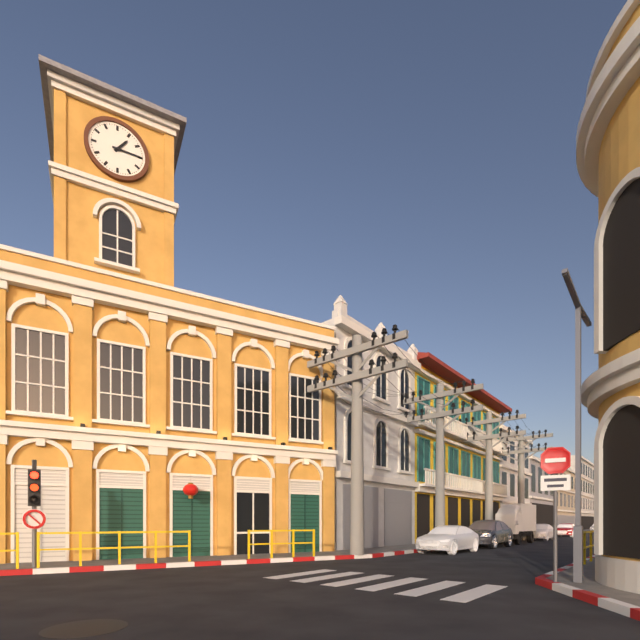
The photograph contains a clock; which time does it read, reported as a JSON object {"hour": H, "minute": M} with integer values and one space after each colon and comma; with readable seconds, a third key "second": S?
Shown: {"hour": 1, "minute": 15}
